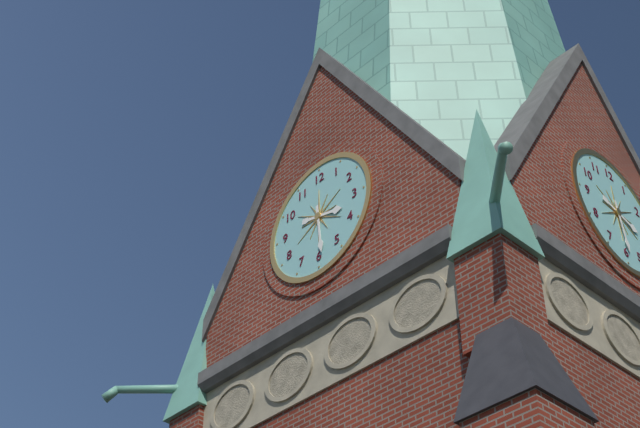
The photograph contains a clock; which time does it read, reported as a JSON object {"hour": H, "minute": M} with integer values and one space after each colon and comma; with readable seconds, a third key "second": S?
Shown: {"hour": 3, "minute": 29}
